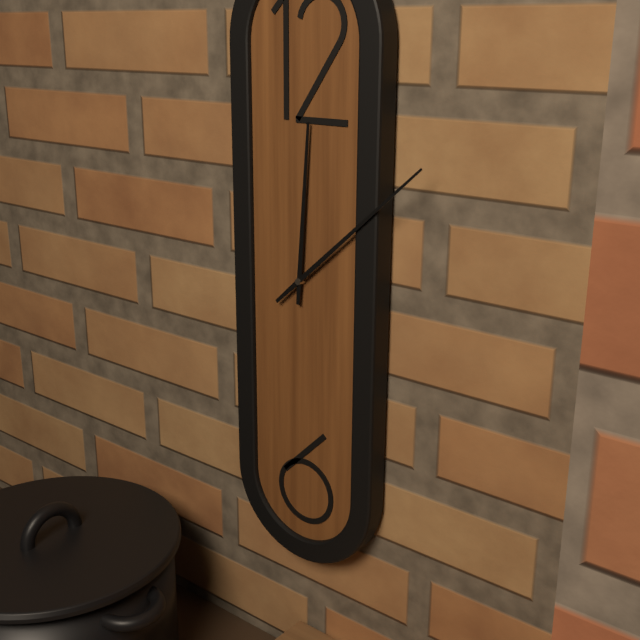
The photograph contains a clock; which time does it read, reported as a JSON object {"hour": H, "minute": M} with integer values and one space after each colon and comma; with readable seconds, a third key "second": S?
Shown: {"hour": 12, "minute": 8}
